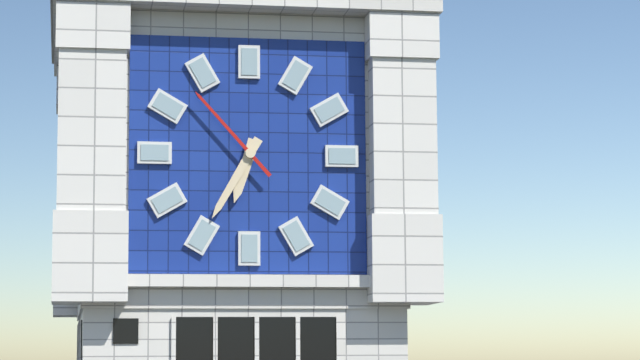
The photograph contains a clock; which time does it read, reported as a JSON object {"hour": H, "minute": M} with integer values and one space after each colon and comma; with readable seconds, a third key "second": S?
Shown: {"hour": 6, "minute": 35, "second": 53}
